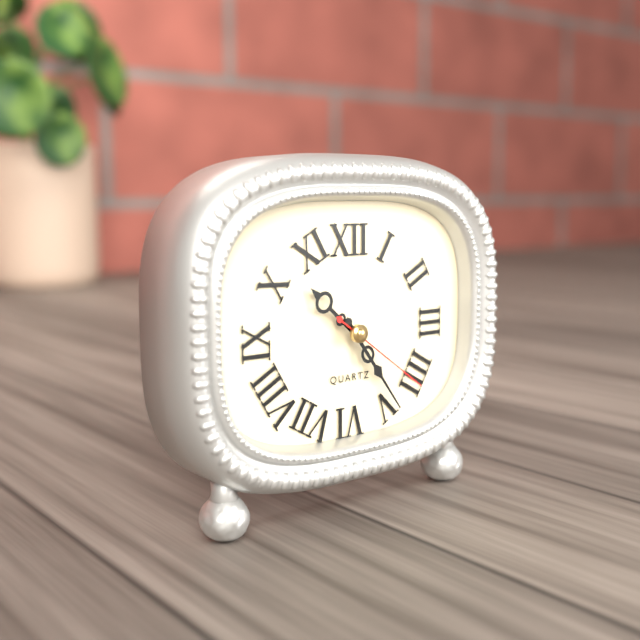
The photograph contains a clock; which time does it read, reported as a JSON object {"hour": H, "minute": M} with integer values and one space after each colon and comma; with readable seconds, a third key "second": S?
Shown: {"hour": 10, "minute": 24, "second": 21}
